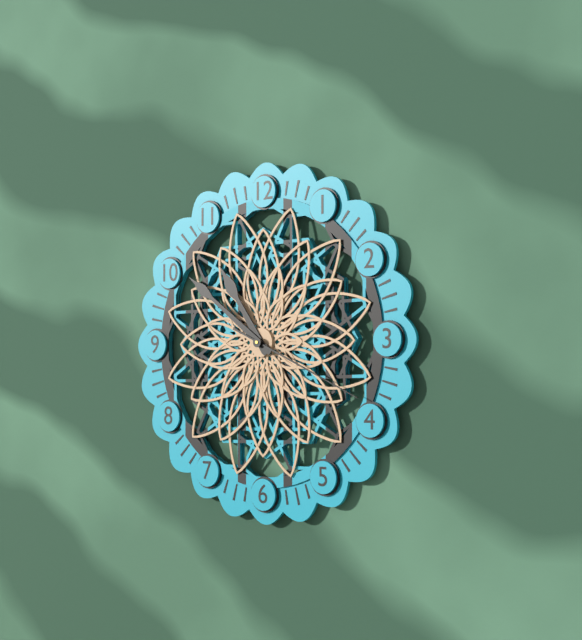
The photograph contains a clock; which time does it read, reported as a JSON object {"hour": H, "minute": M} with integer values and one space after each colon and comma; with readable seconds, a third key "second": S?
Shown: {"hour": 10, "minute": 51, "second": 19}
